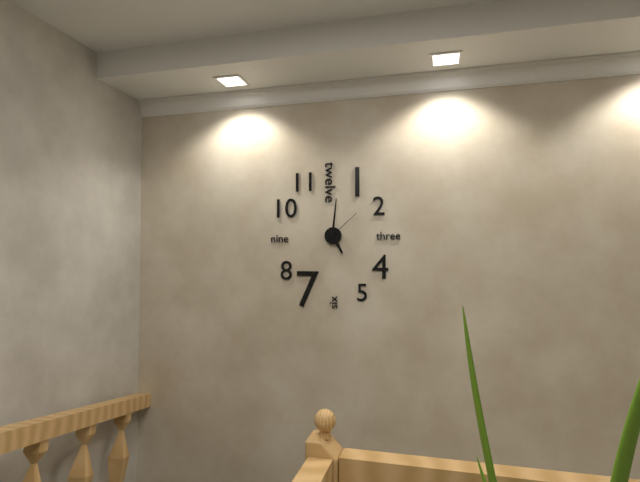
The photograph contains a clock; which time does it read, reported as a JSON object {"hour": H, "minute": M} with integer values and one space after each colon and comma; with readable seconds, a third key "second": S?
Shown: {"hour": 5, "minute": 1}
